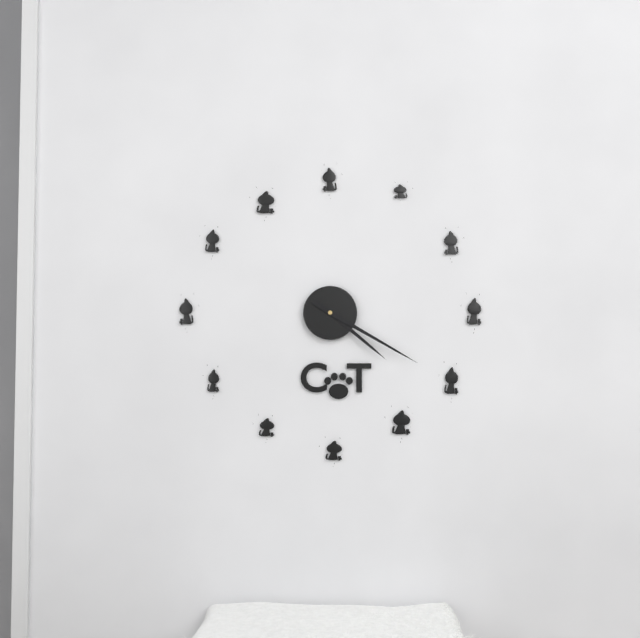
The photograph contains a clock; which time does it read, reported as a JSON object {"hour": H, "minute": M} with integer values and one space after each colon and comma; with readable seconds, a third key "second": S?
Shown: {"hour": 4, "minute": 20}
